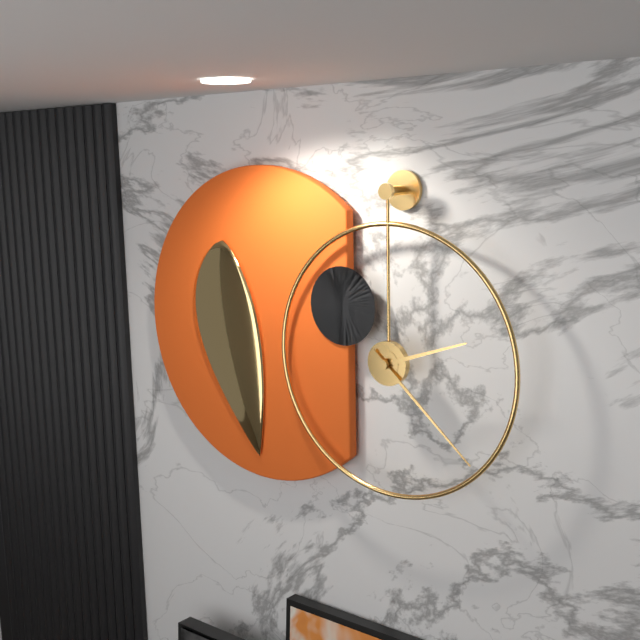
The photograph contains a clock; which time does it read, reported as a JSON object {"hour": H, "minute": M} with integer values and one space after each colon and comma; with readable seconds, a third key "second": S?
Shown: {"hour": 2, "minute": 22}
